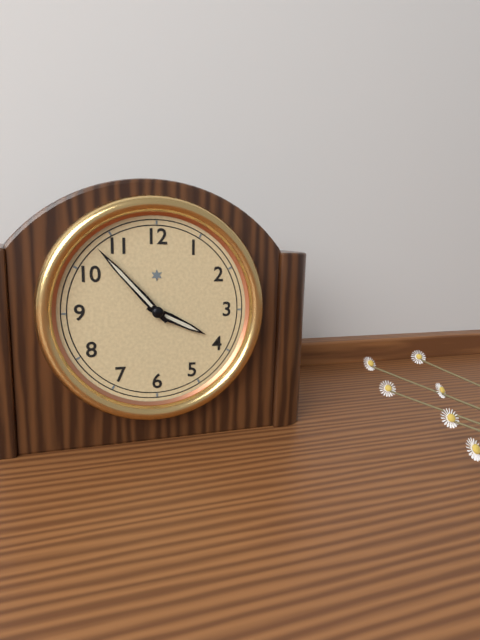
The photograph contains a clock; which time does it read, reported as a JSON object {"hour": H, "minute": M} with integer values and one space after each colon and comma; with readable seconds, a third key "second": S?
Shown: {"hour": 3, "minute": 53}
